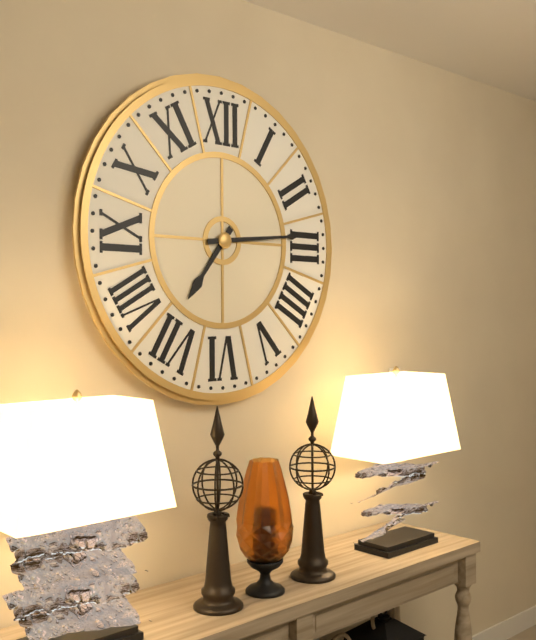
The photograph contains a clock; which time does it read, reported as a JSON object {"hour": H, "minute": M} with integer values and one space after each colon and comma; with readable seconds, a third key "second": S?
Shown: {"hour": 7, "minute": 14}
